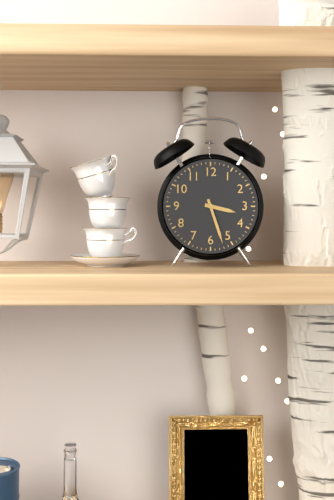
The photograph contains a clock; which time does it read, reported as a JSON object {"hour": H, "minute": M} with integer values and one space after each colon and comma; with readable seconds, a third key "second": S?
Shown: {"hour": 3, "minute": 27}
